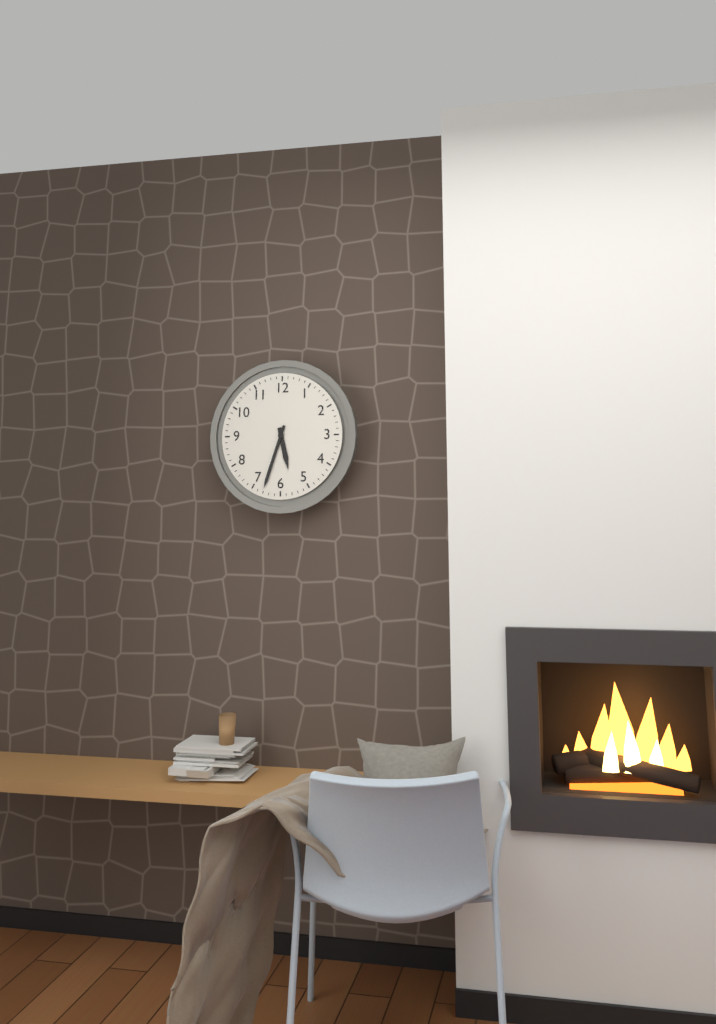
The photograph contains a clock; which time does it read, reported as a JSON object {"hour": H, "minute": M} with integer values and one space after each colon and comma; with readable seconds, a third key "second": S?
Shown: {"hour": 5, "minute": 33}
